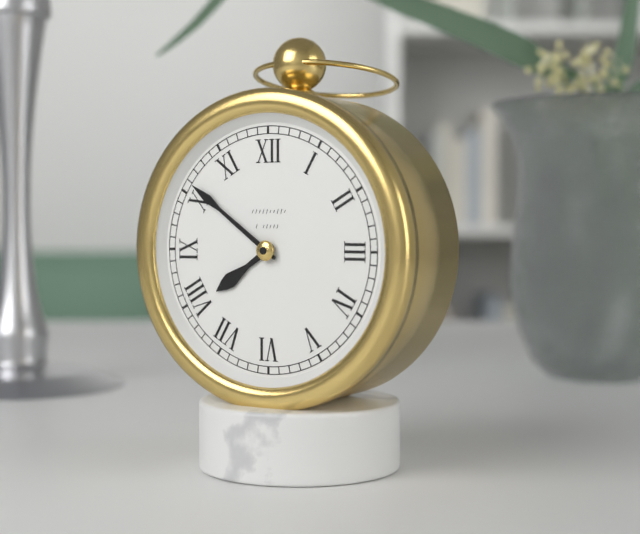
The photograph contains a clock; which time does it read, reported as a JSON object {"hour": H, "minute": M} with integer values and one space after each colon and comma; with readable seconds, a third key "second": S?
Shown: {"hour": 7, "minute": 51}
